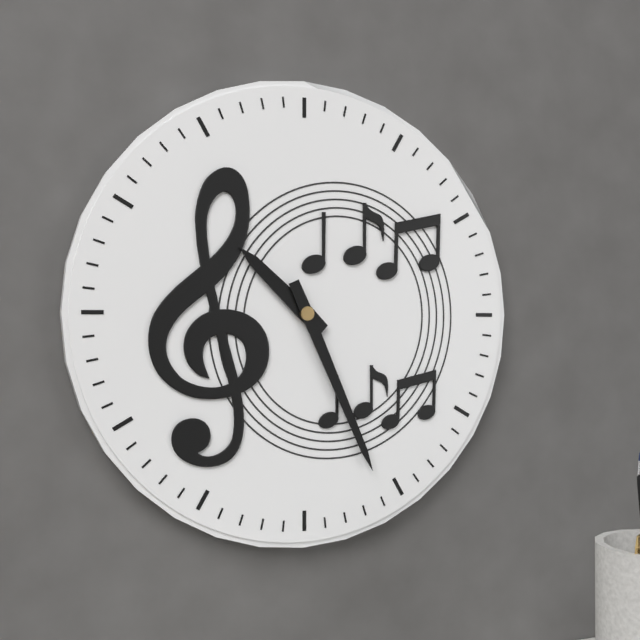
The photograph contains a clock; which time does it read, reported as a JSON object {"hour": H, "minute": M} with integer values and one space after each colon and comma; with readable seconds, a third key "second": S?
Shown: {"hour": 10, "minute": 26}
